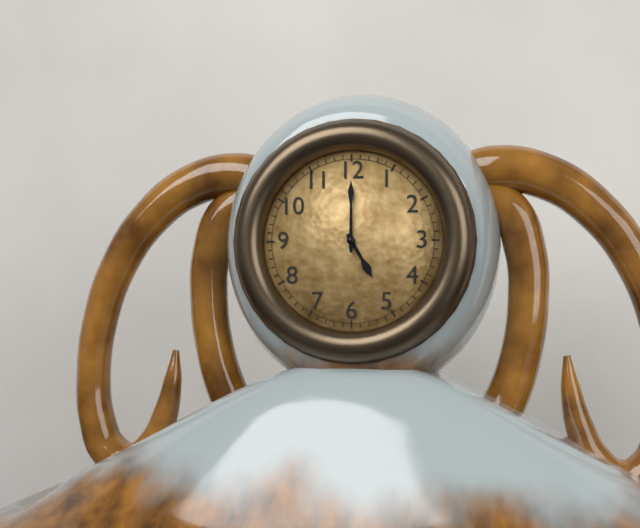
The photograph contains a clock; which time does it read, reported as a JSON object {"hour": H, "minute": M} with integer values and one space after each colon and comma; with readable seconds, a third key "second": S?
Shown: {"hour": 5, "minute": 0}
